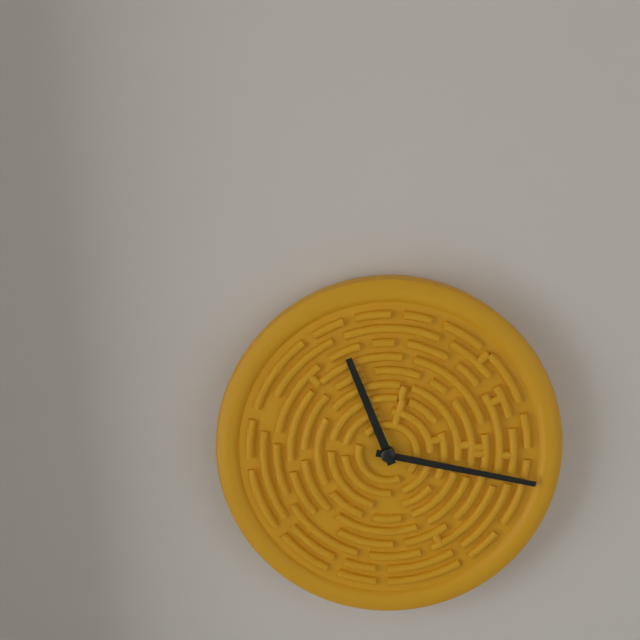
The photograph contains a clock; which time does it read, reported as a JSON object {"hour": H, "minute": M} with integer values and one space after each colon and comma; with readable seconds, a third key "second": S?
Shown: {"hour": 11, "minute": 17}
